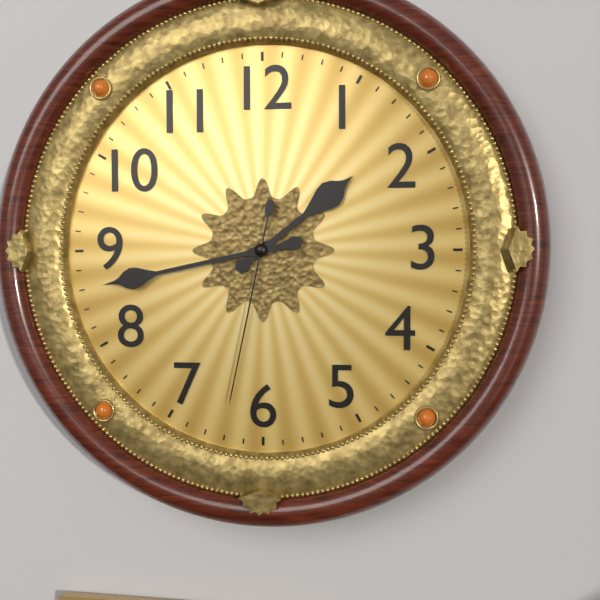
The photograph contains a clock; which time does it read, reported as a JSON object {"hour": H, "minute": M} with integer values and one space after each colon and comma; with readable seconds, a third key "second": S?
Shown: {"hour": 1, "minute": 43, "second": 32}
